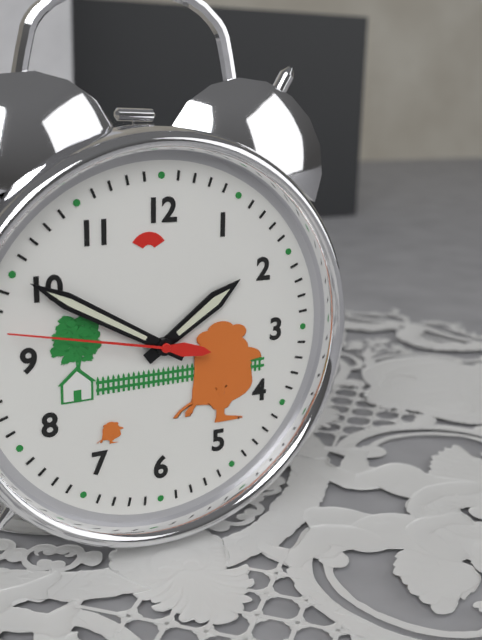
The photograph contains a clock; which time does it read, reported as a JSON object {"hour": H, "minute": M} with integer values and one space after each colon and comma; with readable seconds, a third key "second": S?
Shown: {"hour": 1, "minute": 50, "second": 47}
